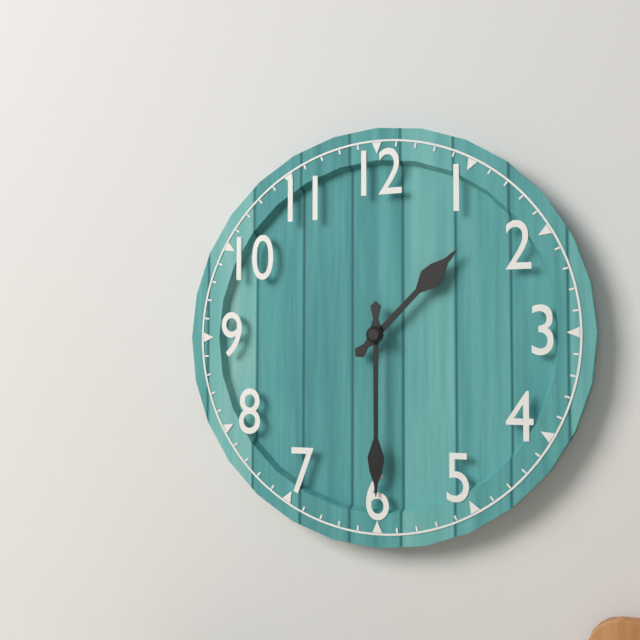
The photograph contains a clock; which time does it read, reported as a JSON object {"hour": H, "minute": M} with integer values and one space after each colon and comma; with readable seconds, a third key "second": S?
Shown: {"hour": 1, "minute": 30}
